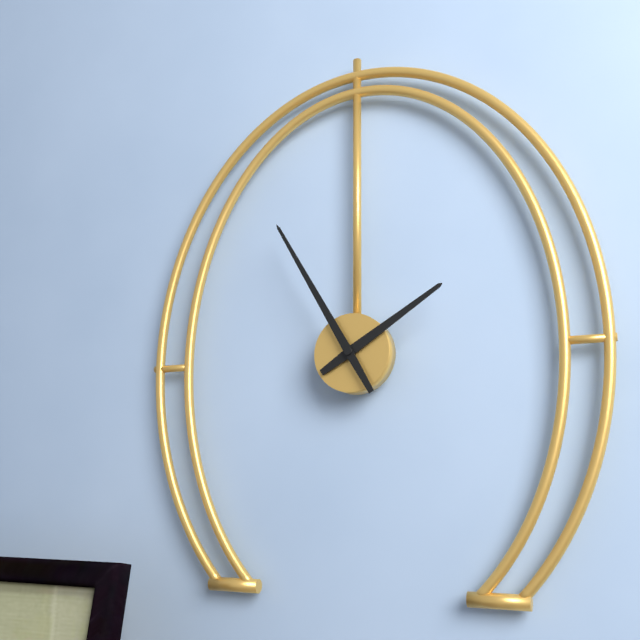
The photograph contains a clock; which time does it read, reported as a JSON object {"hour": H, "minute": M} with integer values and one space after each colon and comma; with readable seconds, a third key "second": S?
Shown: {"hour": 1, "minute": 55}
